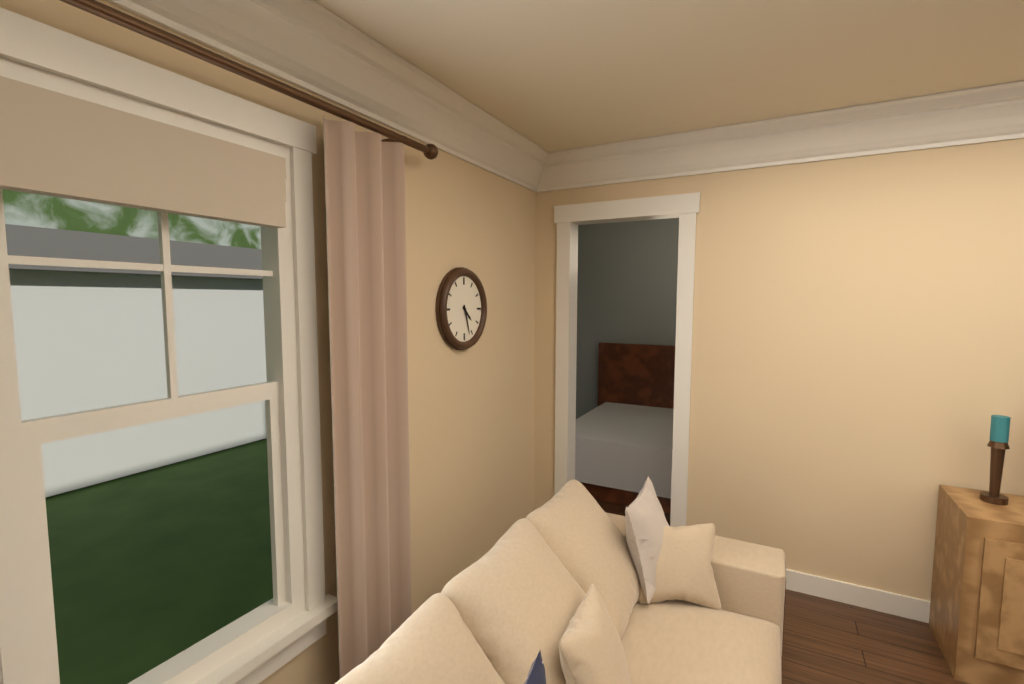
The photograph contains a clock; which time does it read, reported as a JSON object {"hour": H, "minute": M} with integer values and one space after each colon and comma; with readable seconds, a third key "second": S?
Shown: {"hour": 4, "minute": 27}
